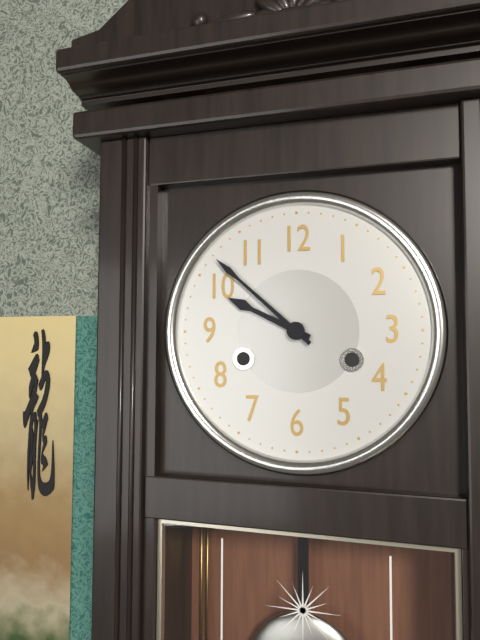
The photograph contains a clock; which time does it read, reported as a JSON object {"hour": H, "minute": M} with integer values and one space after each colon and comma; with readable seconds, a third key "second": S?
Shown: {"hour": 9, "minute": 52}
